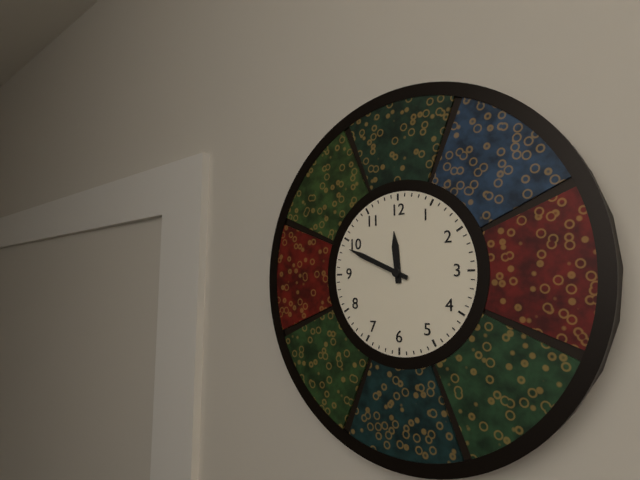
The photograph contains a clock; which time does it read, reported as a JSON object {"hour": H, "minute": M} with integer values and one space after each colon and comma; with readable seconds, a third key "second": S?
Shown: {"hour": 11, "minute": 49}
